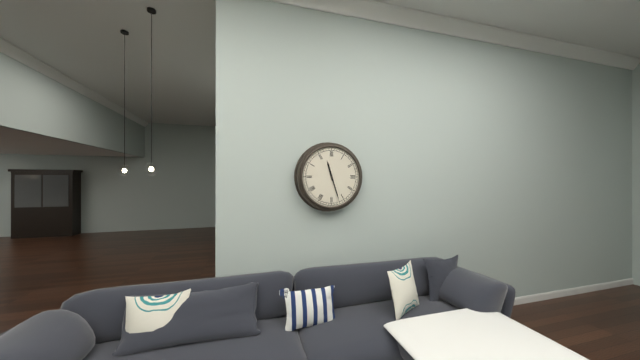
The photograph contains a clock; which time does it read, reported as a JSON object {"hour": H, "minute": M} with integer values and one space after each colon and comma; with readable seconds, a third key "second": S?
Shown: {"hour": 11, "minute": 27}
